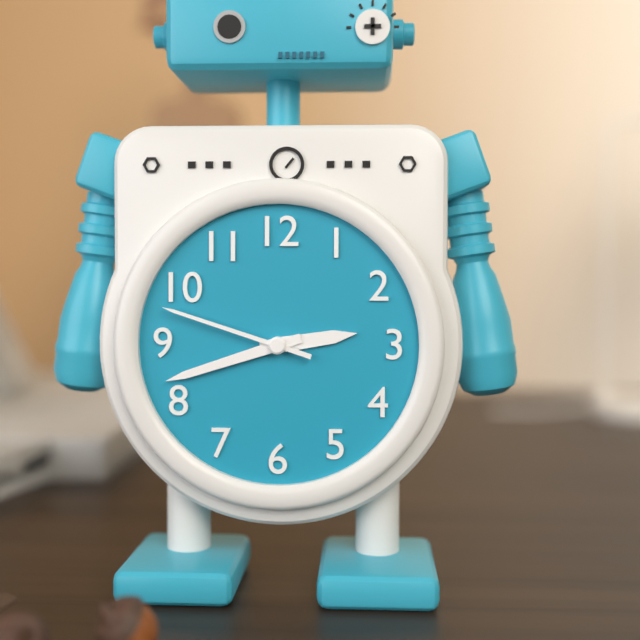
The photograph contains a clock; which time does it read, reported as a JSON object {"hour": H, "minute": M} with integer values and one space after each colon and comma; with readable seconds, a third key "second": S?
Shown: {"hour": 2, "minute": 42, "second": 48}
